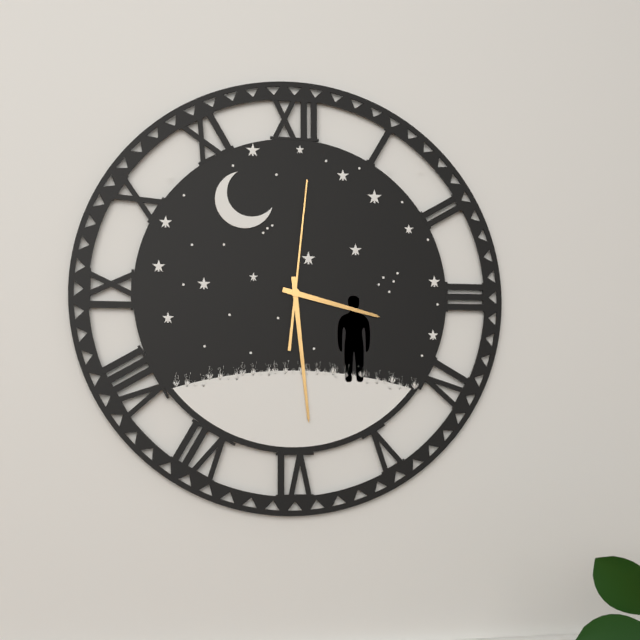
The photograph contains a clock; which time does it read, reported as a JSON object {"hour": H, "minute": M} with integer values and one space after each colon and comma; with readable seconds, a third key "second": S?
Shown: {"hour": 3, "minute": 29, "second": 1}
